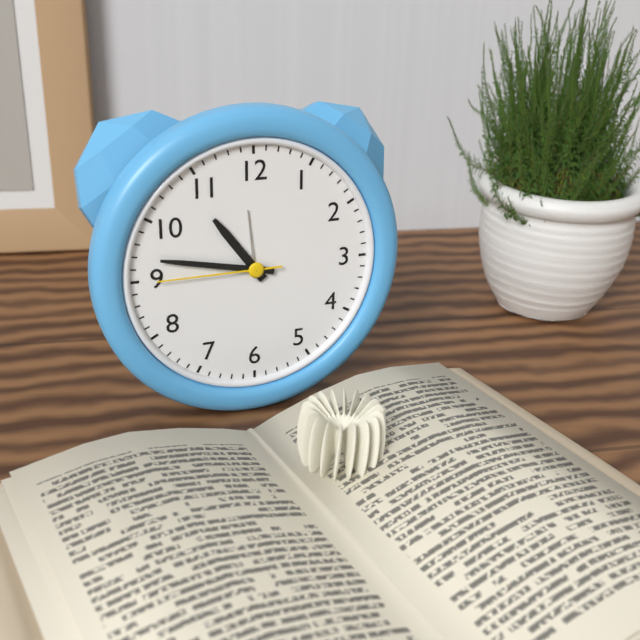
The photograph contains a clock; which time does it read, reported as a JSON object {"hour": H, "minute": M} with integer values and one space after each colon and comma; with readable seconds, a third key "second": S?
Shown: {"hour": 10, "minute": 47, "second": 45}
